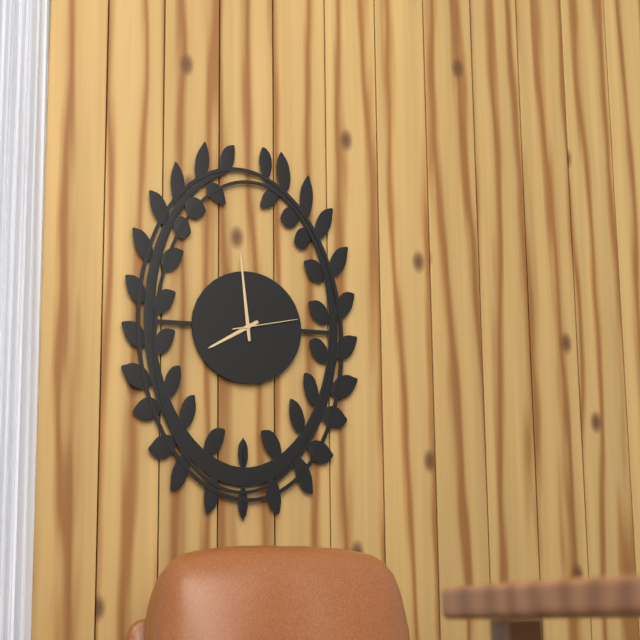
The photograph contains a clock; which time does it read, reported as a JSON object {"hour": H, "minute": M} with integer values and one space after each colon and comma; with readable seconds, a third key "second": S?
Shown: {"hour": 7, "minute": 59, "second": 13}
